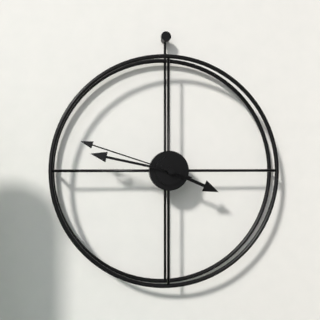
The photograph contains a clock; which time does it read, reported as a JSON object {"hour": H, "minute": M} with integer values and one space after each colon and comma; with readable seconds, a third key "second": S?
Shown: {"hour": 3, "minute": 47, "second": 48}
